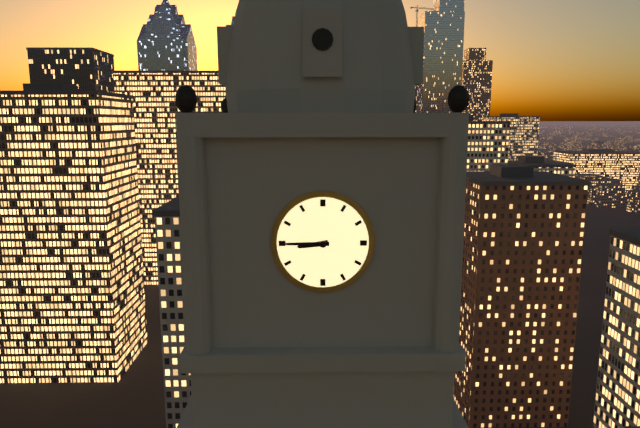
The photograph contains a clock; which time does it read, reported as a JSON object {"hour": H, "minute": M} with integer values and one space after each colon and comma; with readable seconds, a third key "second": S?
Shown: {"hour": 8, "minute": 45}
